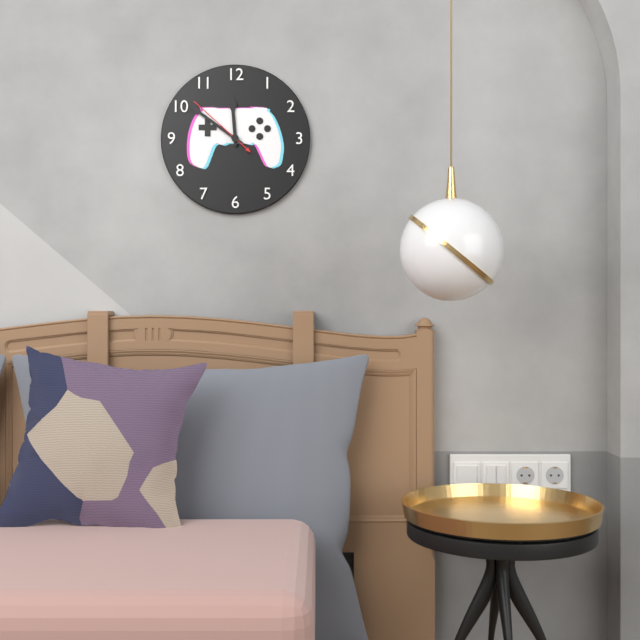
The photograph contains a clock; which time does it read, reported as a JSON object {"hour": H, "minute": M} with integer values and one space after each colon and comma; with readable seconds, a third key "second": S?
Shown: {"hour": 11, "minute": 51, "second": 52}
